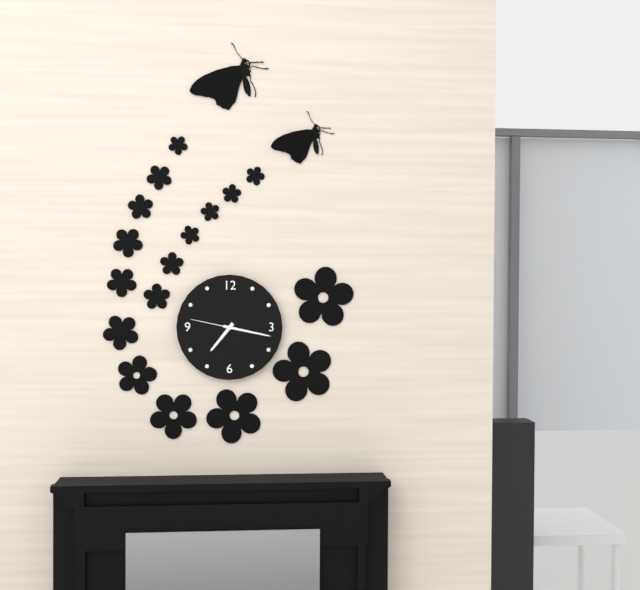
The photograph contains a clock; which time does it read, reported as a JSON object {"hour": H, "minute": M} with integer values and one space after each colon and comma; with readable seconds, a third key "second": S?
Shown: {"hour": 7, "minute": 17, "second": 47}
